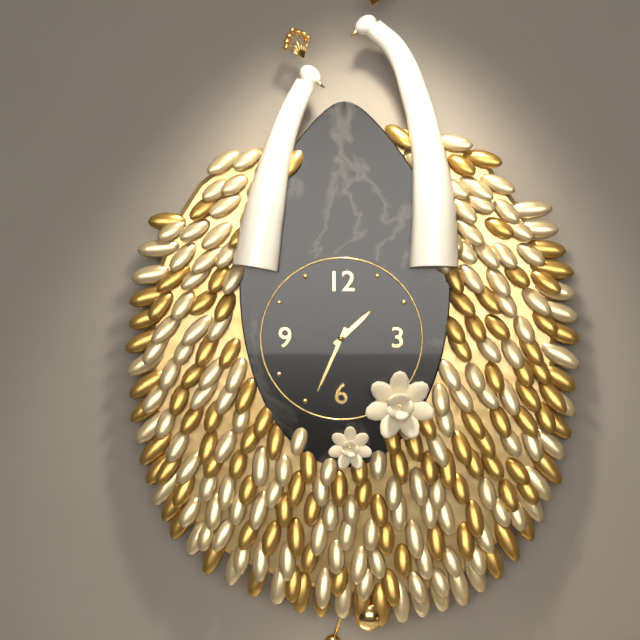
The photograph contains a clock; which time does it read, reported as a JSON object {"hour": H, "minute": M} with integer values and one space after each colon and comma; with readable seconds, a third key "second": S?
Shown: {"hour": 1, "minute": 34}
